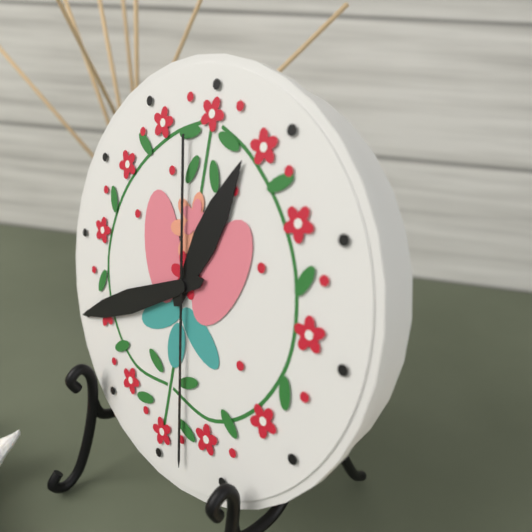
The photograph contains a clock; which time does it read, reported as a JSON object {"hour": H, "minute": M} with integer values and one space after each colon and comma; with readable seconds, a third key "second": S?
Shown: {"hour": 12, "minute": 40, "second": 28}
